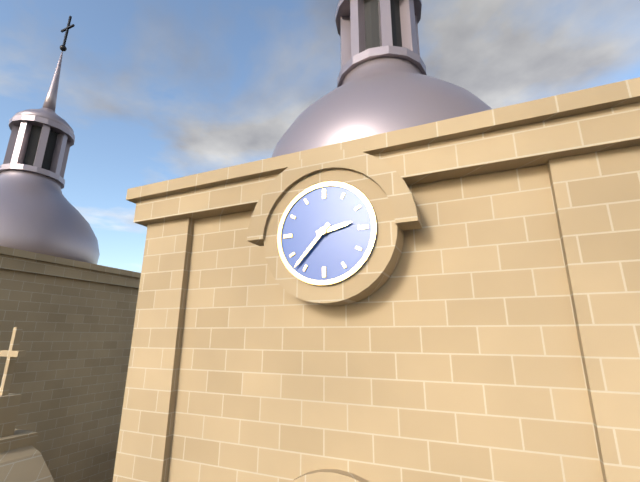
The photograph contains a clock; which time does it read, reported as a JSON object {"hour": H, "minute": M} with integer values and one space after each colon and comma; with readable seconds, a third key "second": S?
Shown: {"hour": 2, "minute": 37}
